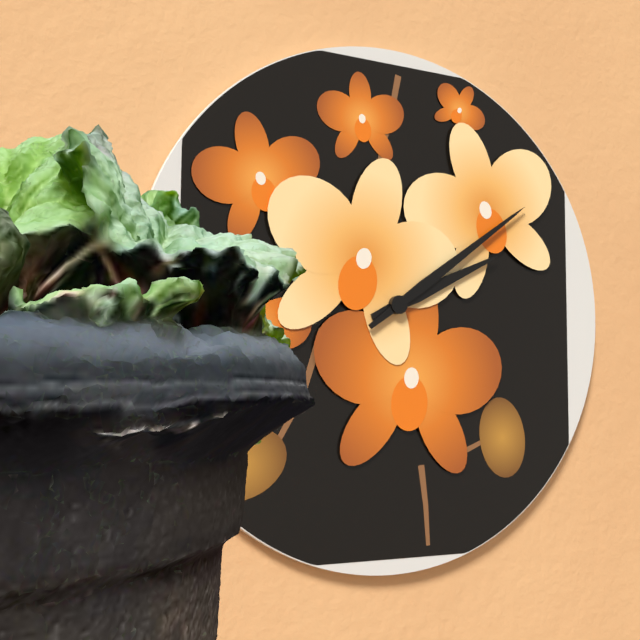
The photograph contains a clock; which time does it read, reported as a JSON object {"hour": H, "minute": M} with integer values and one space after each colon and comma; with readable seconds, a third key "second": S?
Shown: {"hour": 2, "minute": 9}
